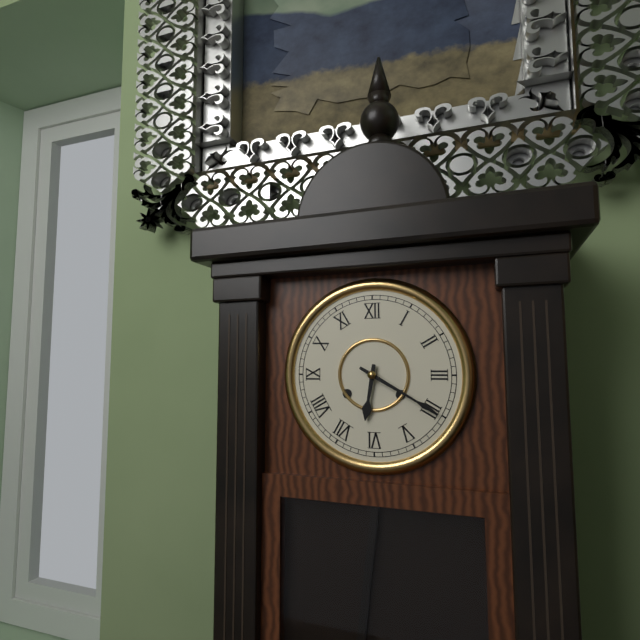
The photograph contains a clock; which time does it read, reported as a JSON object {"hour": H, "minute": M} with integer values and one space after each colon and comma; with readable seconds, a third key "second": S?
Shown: {"hour": 6, "minute": 20}
